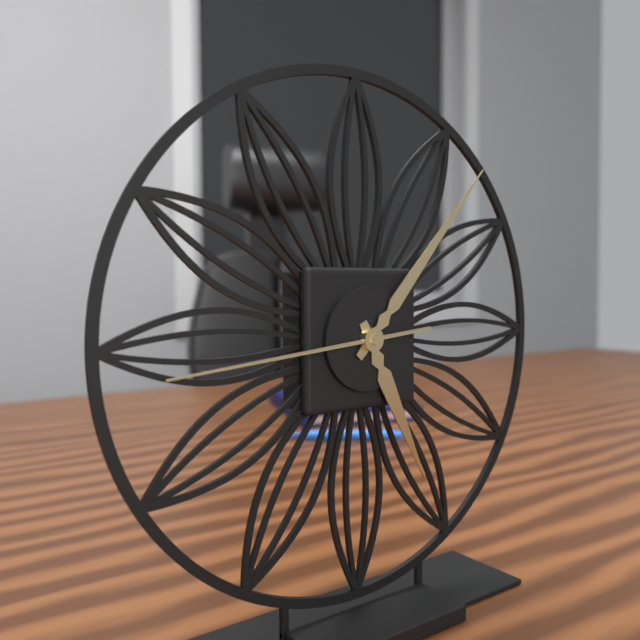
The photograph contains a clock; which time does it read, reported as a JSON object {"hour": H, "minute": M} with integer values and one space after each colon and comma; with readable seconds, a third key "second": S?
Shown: {"hour": 5, "minute": 7, "second": 44}
